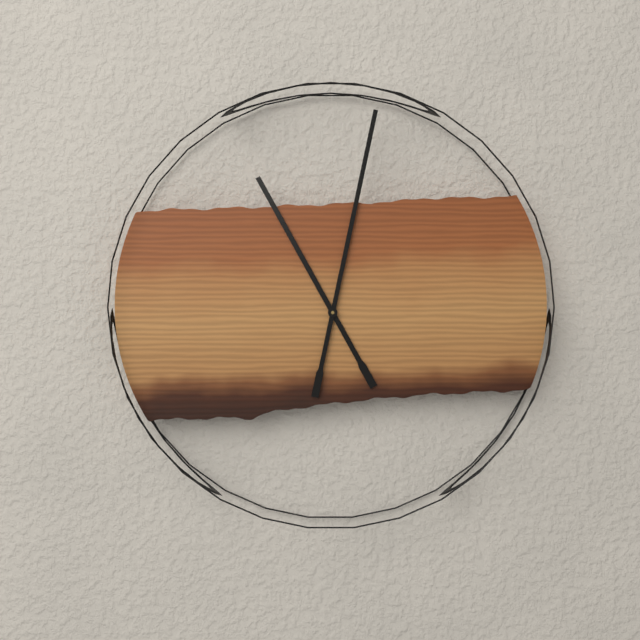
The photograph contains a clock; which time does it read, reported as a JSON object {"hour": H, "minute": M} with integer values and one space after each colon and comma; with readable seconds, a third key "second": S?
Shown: {"hour": 11, "minute": 2}
